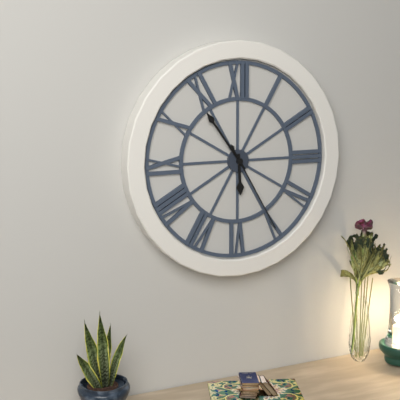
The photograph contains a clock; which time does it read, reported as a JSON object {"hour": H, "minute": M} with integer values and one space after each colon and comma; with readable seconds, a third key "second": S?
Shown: {"hour": 5, "minute": 54, "second": 25}
